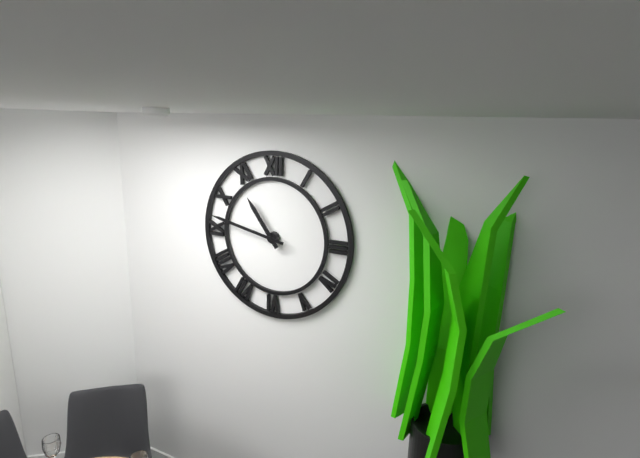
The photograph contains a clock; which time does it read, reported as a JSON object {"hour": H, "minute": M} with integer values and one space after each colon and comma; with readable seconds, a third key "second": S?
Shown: {"hour": 10, "minute": 47}
